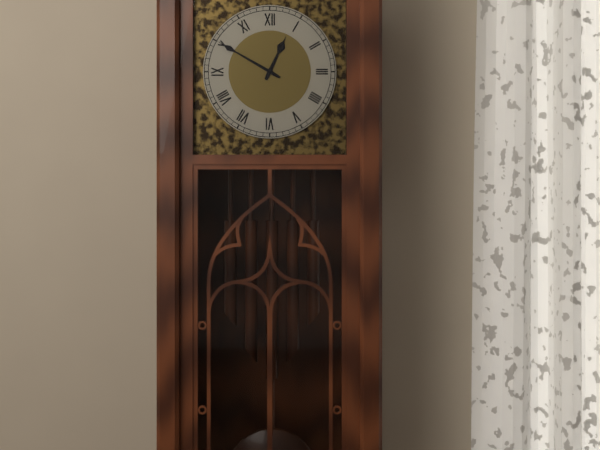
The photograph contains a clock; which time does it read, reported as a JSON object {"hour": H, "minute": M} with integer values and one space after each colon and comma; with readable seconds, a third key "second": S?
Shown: {"hour": 12, "minute": 50}
